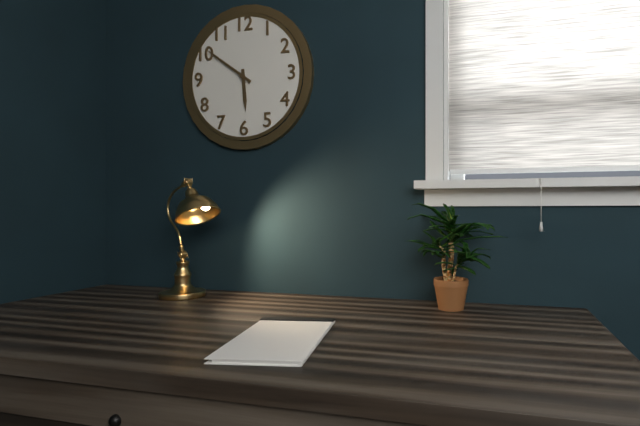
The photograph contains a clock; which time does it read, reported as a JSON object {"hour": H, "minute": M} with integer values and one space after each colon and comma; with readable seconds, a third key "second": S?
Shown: {"hour": 5, "minute": 51}
